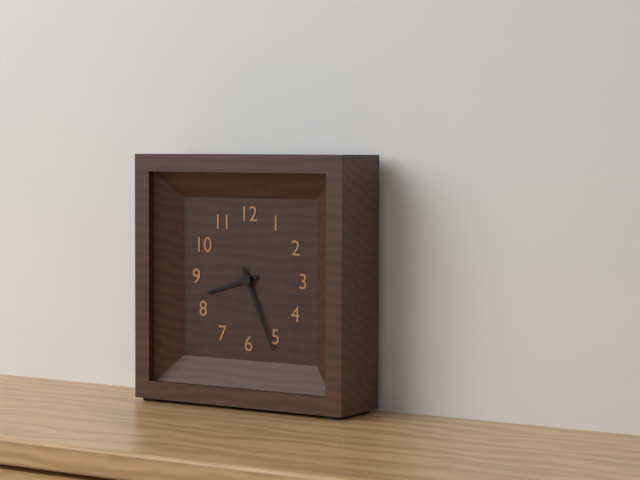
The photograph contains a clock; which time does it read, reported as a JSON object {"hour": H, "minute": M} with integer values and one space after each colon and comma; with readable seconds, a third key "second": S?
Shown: {"hour": 8, "minute": 26}
